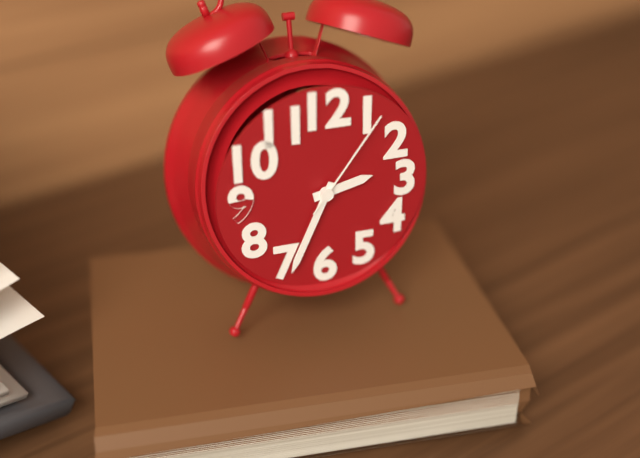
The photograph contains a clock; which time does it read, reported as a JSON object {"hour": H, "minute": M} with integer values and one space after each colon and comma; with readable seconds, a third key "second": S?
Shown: {"hour": 2, "minute": 34, "second": 6}
